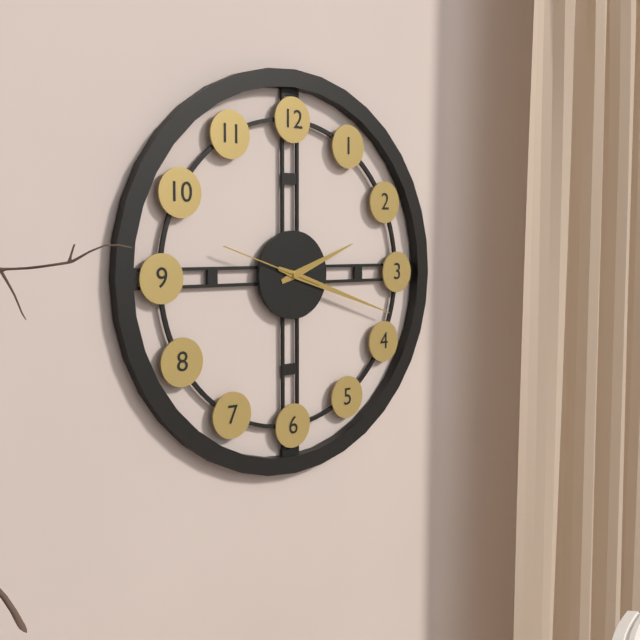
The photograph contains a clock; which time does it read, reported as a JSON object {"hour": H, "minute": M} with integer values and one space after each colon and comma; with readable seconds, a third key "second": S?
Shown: {"hour": 2, "minute": 18, "second": 48}
